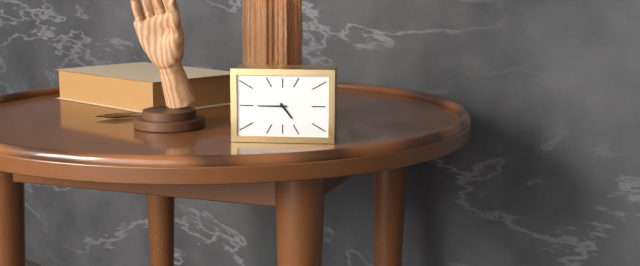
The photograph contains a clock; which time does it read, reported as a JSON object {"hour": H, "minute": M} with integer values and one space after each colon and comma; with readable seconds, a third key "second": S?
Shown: {"hour": 4, "minute": 45}
